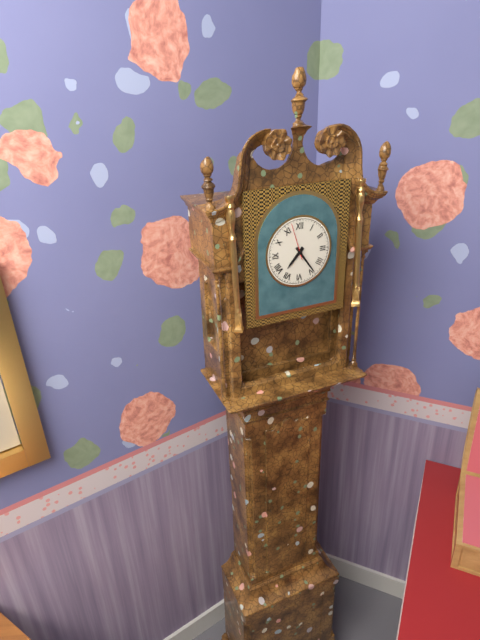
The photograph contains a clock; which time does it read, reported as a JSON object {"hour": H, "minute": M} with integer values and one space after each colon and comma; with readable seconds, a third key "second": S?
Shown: {"hour": 7, "minute": 24}
